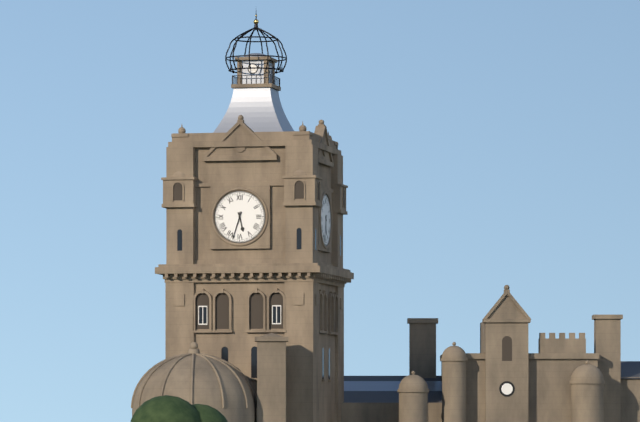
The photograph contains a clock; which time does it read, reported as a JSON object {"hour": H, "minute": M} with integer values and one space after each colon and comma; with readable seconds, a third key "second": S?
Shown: {"hour": 5, "minute": 33}
